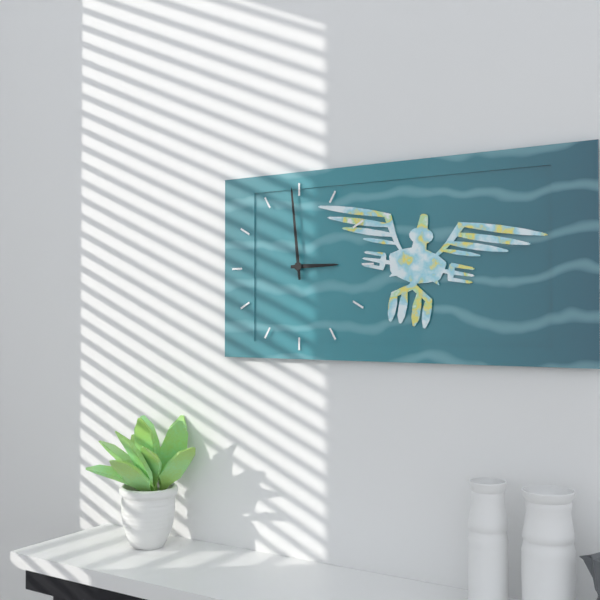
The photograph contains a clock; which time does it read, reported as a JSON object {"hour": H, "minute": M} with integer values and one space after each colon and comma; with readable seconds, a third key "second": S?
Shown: {"hour": 2, "minute": 59}
